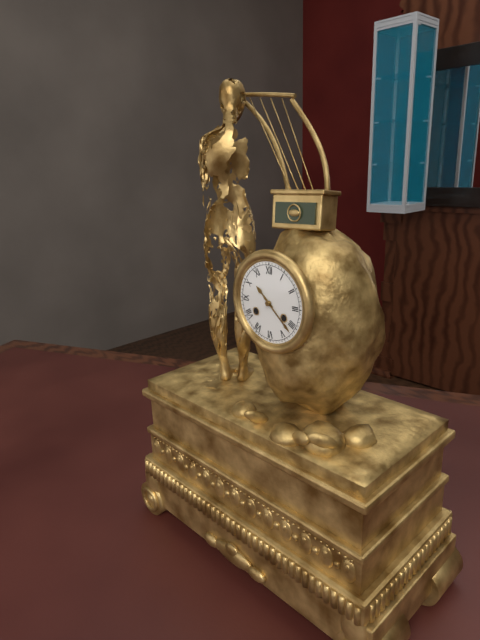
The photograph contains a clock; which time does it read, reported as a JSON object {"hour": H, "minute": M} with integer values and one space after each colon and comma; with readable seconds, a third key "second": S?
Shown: {"hour": 10, "minute": 22}
